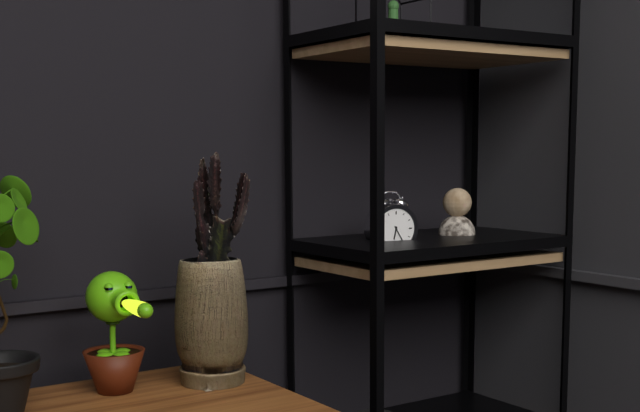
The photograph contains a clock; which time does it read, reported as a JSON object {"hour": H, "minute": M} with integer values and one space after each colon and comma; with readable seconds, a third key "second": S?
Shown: {"hour": 6, "minute": 25}
